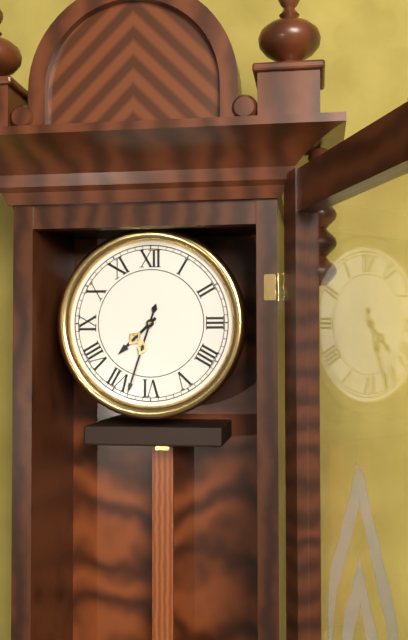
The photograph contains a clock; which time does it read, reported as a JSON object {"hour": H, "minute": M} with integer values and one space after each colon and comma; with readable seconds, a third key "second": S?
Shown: {"hour": 7, "minute": 33}
